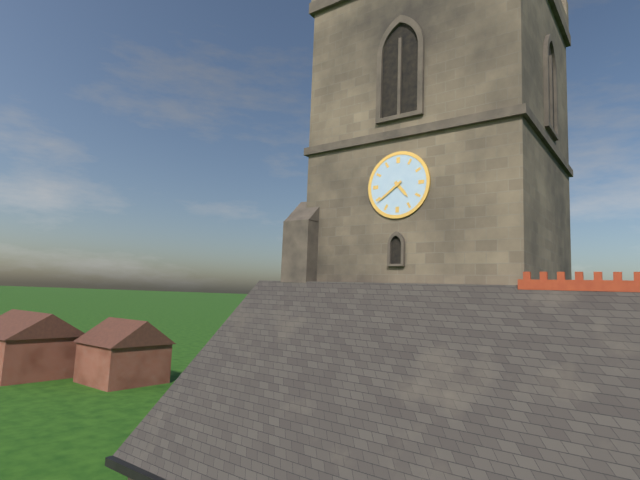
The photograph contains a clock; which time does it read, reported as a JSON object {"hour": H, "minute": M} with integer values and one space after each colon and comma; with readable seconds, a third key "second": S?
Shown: {"hour": 4, "minute": 39}
